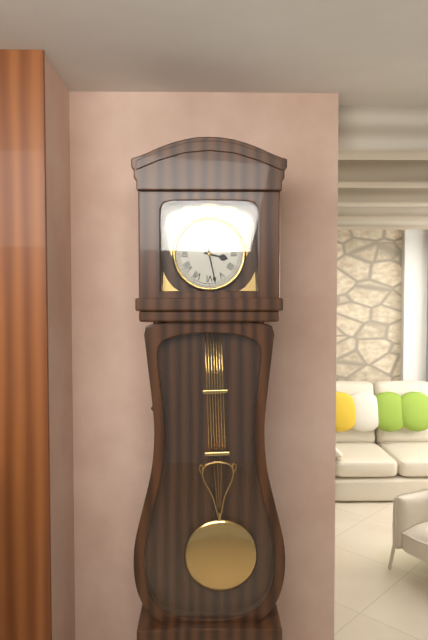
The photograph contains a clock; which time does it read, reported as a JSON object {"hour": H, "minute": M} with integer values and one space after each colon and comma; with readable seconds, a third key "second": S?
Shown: {"hour": 3, "minute": 28}
